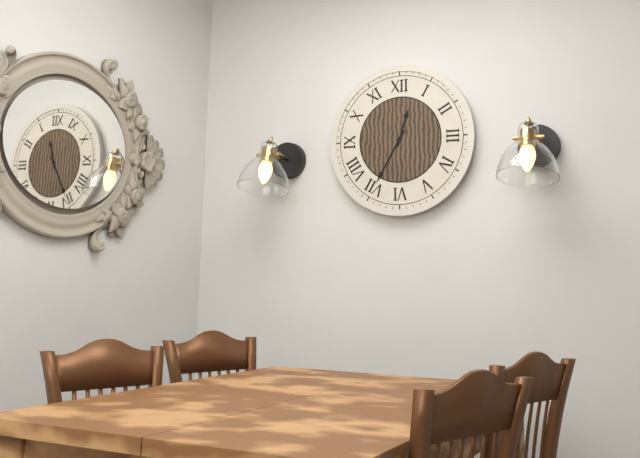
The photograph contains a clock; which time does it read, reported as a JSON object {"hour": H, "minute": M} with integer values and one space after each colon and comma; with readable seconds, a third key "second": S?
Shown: {"hour": 12, "minute": 35}
